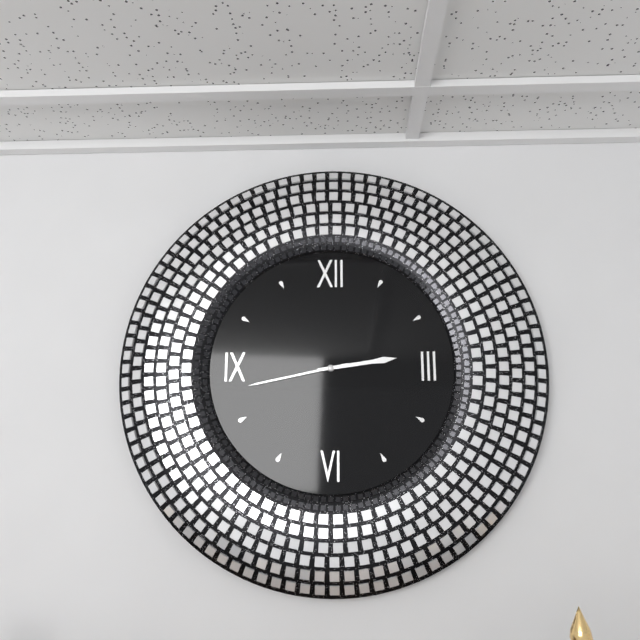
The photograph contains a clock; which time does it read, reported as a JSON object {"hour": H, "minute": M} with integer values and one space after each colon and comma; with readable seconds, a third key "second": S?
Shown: {"hour": 2, "minute": 43}
